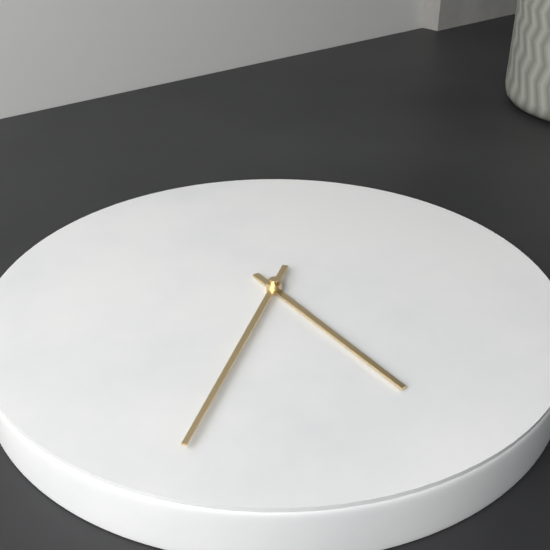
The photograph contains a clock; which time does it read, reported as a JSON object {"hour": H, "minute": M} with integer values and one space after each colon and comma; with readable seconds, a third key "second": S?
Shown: {"hour": 4, "minute": 31}
